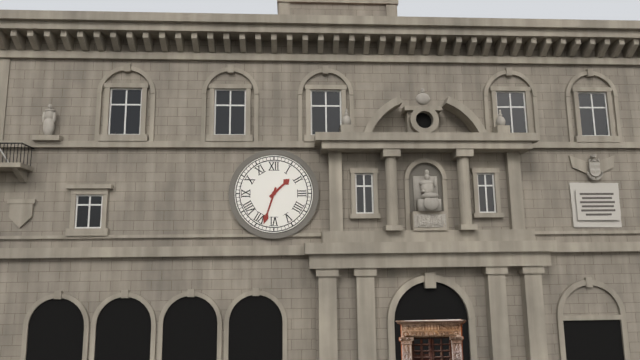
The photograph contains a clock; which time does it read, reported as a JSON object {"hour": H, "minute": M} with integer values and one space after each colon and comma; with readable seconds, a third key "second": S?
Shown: {"hour": 1, "minute": 33}
